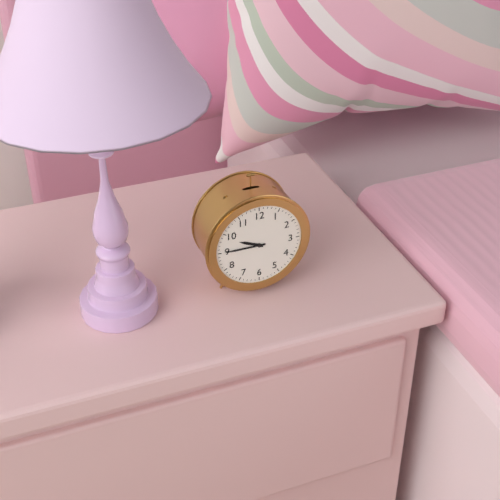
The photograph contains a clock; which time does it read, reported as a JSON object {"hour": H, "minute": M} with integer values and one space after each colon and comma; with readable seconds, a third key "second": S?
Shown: {"hour": 9, "minute": 45}
